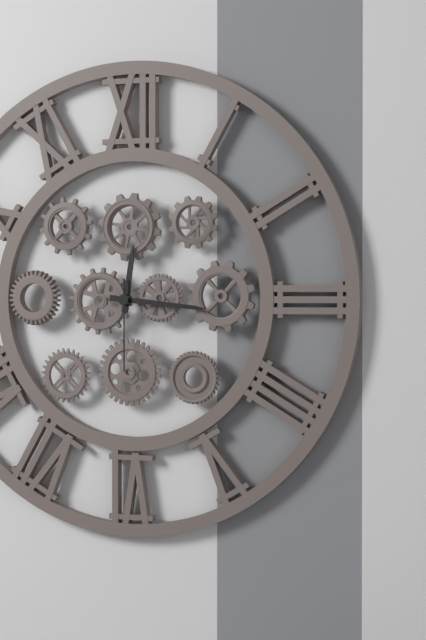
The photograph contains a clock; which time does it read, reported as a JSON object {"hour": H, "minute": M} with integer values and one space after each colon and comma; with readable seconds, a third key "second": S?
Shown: {"hour": 12, "minute": 16, "second": 30}
